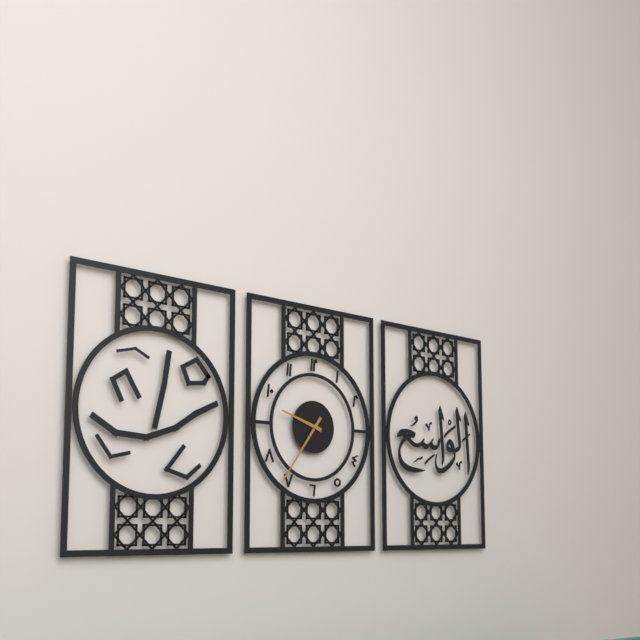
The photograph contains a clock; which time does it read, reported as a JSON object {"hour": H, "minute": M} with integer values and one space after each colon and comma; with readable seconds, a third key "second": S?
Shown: {"hour": 9, "minute": 36}
